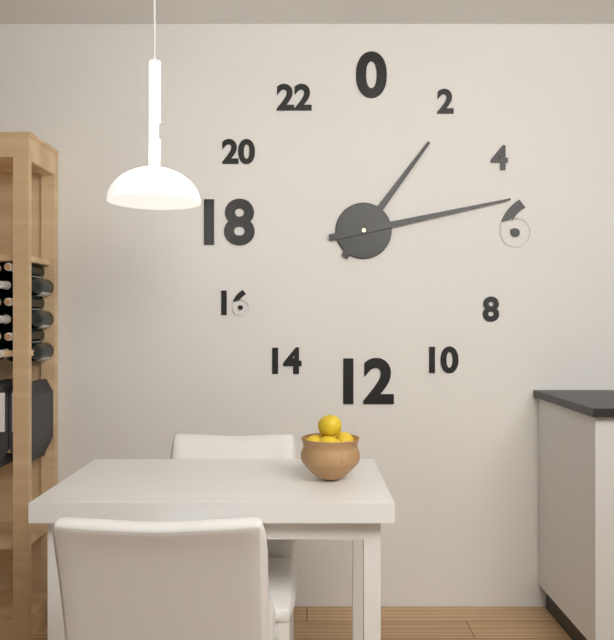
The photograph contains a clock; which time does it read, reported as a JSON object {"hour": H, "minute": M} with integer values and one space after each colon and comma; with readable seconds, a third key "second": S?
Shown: {"hour": 1, "minute": 13}
